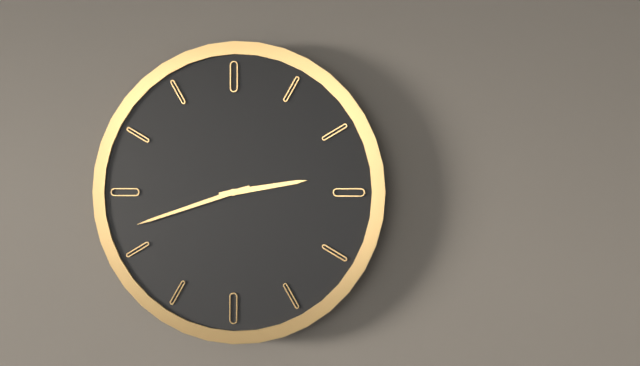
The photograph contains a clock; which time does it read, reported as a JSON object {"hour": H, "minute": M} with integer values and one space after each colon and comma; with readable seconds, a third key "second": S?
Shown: {"hour": 2, "minute": 42}
